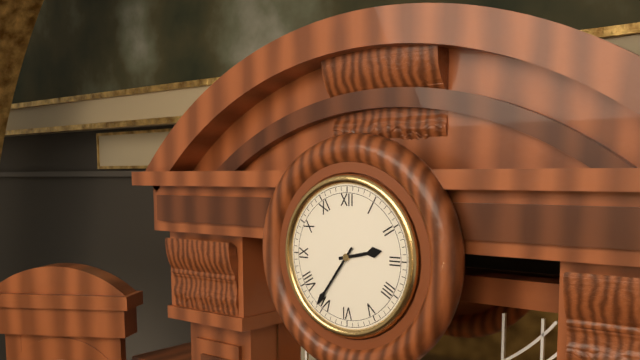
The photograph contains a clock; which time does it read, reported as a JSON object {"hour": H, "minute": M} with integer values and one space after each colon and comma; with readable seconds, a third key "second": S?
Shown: {"hour": 2, "minute": 36}
